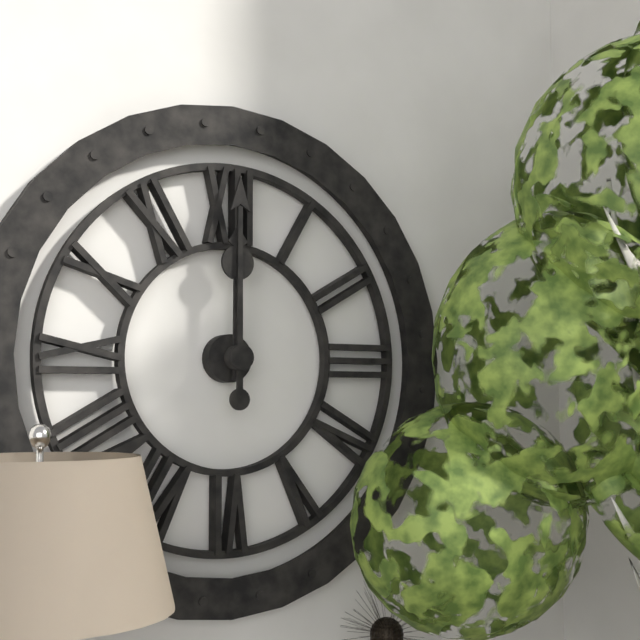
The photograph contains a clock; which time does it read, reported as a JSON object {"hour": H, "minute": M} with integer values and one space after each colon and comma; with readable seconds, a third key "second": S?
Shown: {"hour": 12, "minute": 0}
